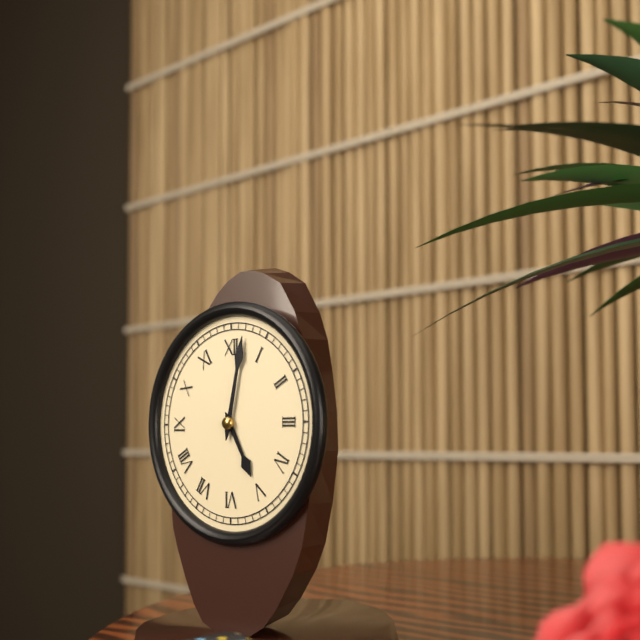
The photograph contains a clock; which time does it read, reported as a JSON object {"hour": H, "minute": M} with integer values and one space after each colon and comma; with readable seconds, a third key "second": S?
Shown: {"hour": 5, "minute": 2}
